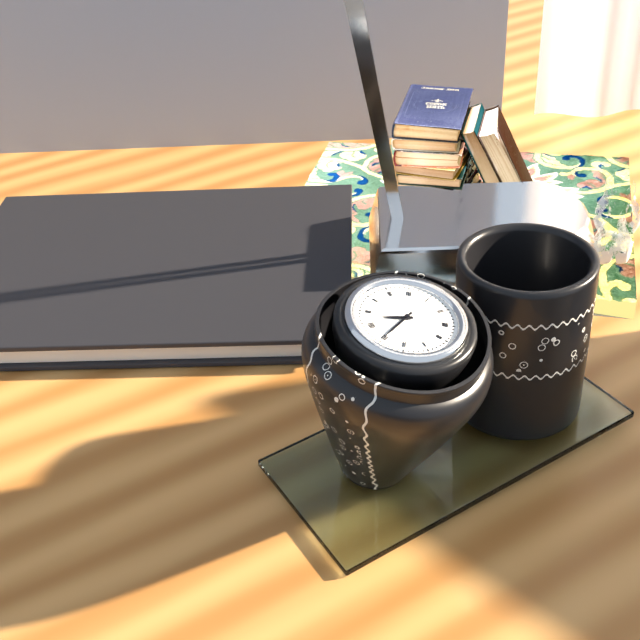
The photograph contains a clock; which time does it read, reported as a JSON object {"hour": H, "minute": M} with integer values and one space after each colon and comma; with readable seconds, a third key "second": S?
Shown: {"hour": 8, "minute": 35}
